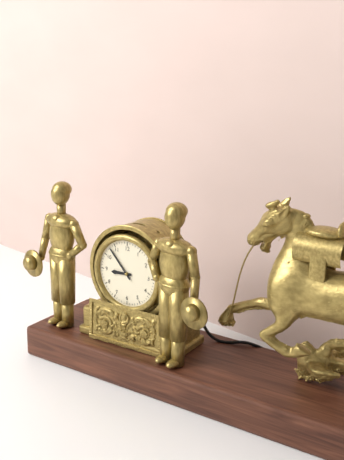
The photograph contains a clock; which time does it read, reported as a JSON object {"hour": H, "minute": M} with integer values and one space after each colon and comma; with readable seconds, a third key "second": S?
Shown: {"hour": 8, "minute": 53}
